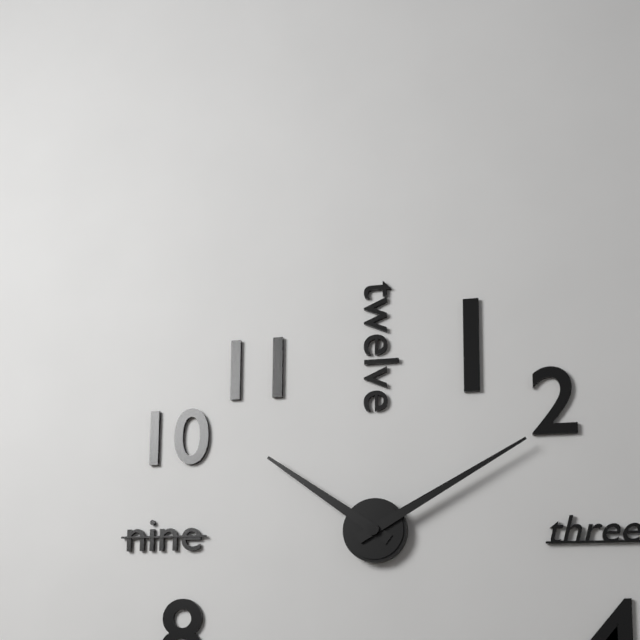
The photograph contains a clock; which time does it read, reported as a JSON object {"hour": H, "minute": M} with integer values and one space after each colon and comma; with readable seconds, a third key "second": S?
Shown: {"hour": 10, "minute": 10}
